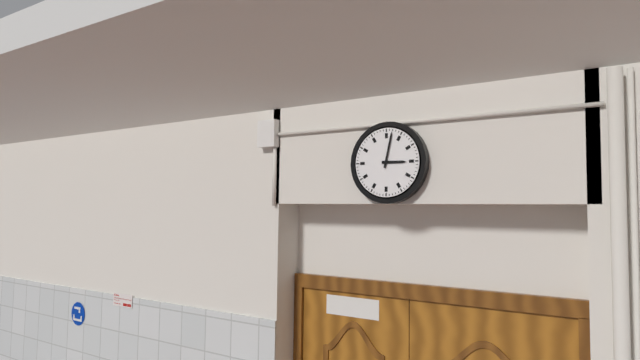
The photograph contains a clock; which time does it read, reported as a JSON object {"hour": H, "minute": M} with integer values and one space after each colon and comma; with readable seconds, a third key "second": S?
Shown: {"hour": 3, "minute": 2}
